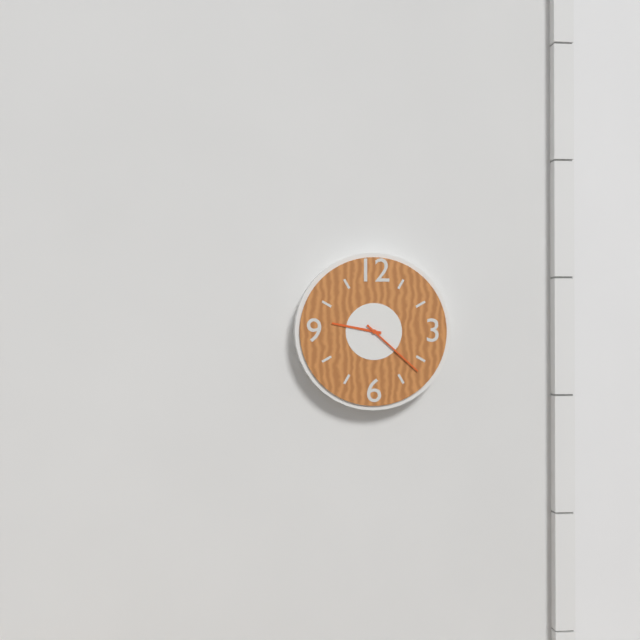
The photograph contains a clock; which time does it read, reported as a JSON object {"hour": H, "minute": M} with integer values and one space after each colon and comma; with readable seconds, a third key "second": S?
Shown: {"hour": 9, "minute": 22}
